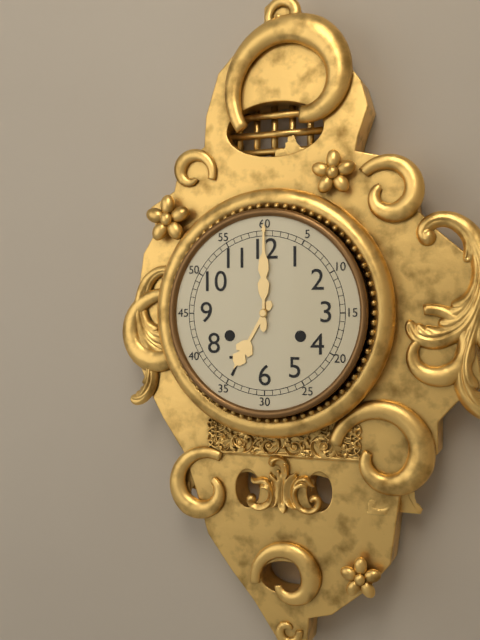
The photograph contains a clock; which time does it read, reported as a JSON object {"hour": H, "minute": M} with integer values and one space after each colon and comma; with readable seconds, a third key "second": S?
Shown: {"hour": 7, "minute": 0}
